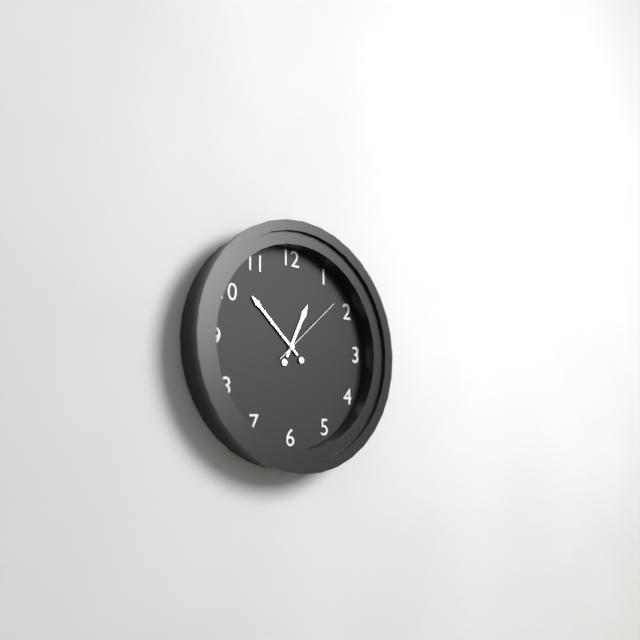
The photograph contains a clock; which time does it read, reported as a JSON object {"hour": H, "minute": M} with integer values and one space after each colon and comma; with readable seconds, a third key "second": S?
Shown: {"hour": 12, "minute": 52, "second": 8}
